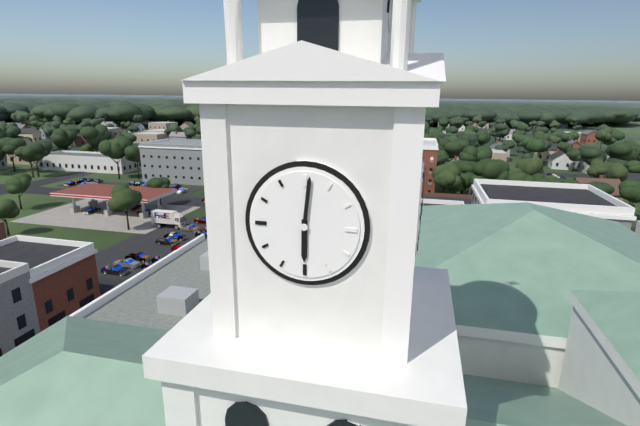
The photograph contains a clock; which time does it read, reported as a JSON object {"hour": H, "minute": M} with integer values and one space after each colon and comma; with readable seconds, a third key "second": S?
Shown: {"hour": 6, "minute": 1}
